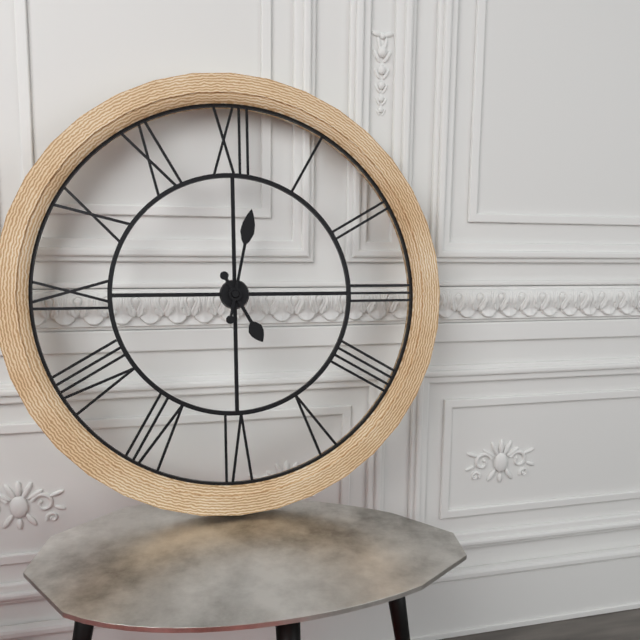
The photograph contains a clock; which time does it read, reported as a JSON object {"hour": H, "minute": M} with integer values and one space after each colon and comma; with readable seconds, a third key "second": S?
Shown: {"hour": 5, "minute": 2}
